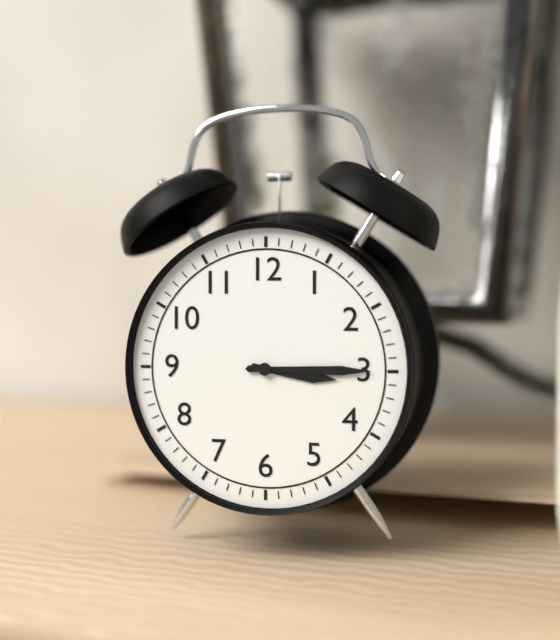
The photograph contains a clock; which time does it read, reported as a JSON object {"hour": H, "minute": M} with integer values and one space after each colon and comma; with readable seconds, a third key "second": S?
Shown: {"hour": 3, "minute": 15}
